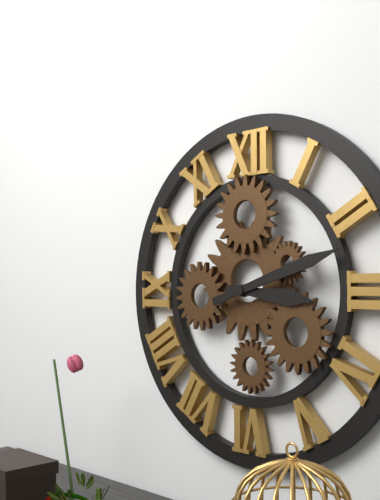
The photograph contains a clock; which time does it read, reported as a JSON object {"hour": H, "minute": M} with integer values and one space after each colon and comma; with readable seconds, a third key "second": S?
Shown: {"hour": 3, "minute": 12}
